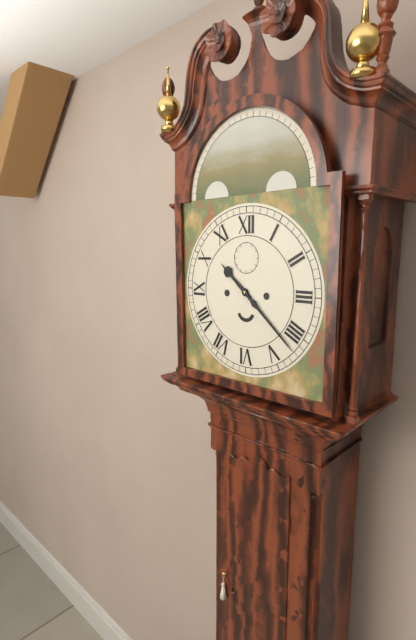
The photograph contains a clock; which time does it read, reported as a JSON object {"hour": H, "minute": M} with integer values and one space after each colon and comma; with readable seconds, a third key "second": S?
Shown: {"hour": 10, "minute": 22}
